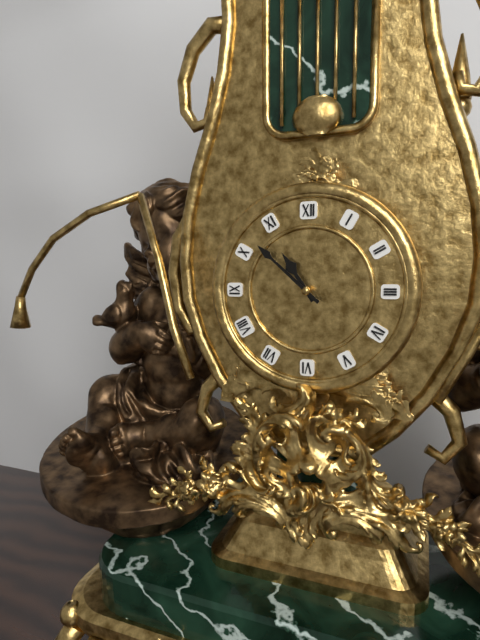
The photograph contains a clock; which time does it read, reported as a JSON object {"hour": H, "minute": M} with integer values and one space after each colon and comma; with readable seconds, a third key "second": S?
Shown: {"hour": 10, "minute": 52}
